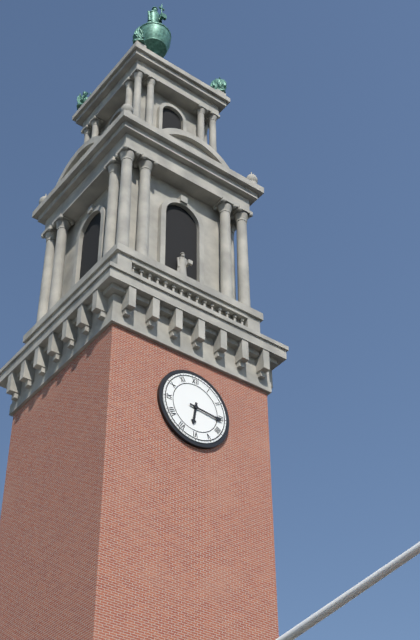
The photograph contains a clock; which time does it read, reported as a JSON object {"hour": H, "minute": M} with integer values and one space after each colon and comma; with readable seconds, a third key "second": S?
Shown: {"hour": 6, "minute": 16}
